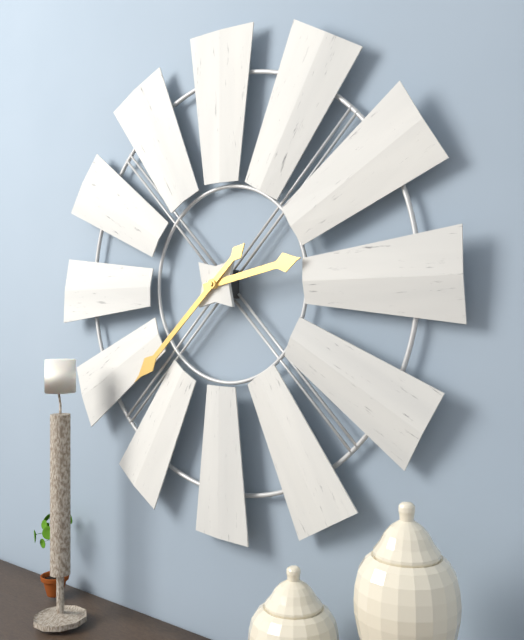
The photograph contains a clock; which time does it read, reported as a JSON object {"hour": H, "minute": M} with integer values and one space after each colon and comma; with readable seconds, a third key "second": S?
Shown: {"hour": 2, "minute": 38}
